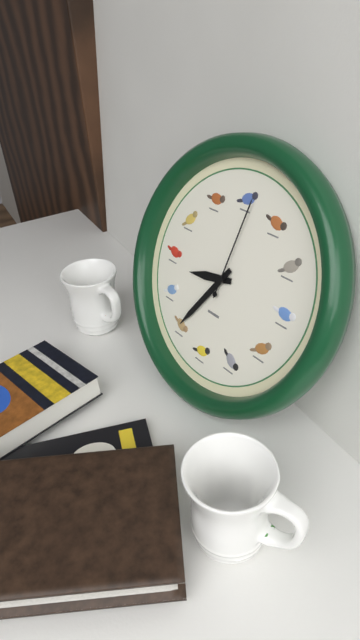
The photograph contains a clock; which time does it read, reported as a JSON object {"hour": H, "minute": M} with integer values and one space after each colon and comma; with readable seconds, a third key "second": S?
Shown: {"hour": 8, "minute": 35, "second": 1}
